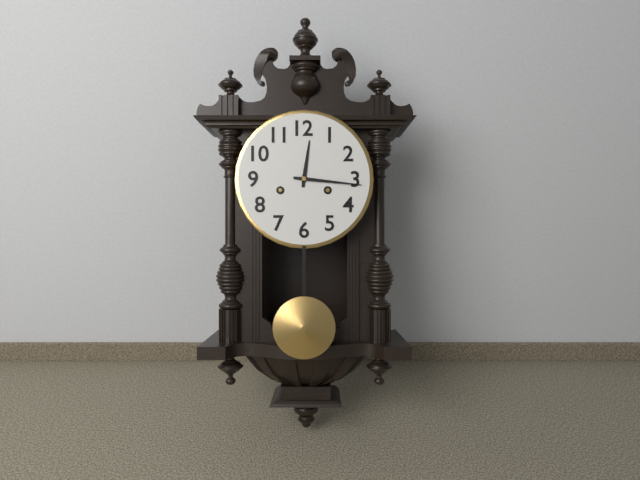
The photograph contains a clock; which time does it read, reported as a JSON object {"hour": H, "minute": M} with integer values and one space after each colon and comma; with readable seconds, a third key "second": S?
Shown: {"hour": 12, "minute": 16}
